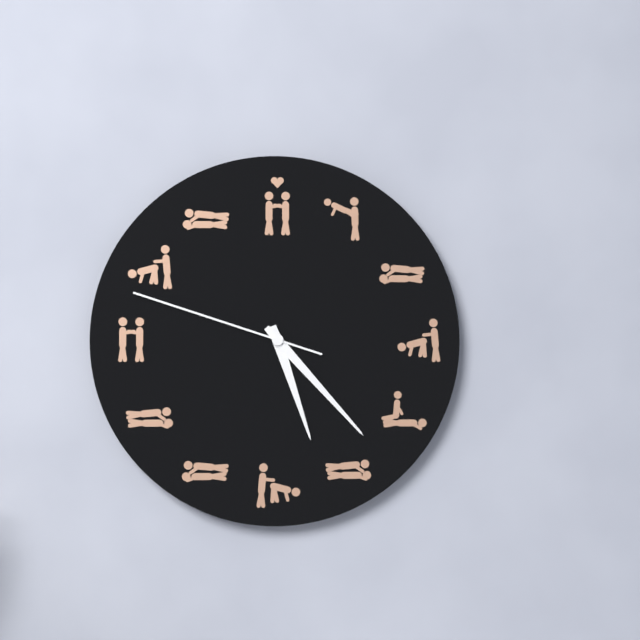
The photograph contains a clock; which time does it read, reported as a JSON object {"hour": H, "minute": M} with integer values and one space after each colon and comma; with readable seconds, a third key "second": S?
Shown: {"hour": 5, "minute": 23, "second": 48}
